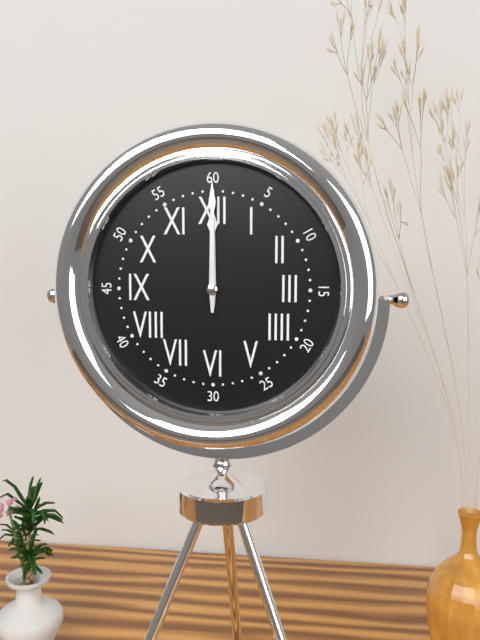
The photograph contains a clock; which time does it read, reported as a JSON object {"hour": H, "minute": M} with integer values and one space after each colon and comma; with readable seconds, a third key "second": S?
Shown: {"hour": 12, "minute": 0}
